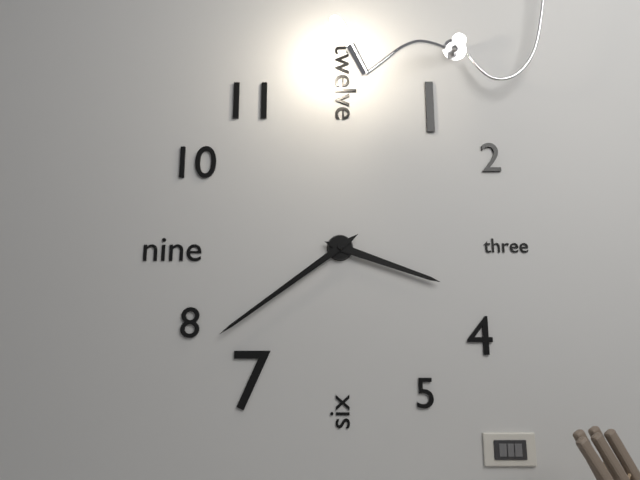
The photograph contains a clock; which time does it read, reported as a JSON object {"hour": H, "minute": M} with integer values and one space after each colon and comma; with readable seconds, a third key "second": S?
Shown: {"hour": 3, "minute": 39}
